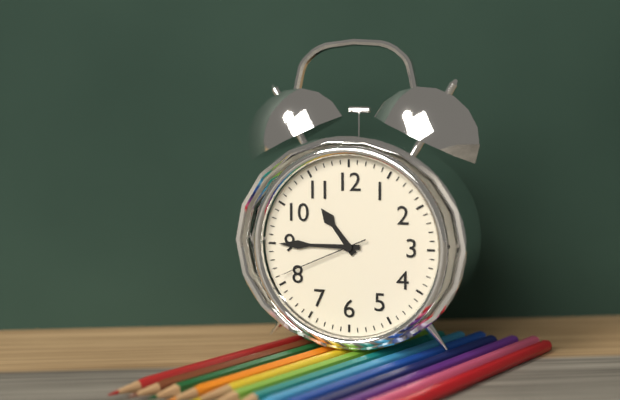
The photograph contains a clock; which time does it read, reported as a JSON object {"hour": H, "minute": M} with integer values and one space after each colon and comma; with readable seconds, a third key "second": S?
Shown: {"hour": 10, "minute": 45, "second": 41}
